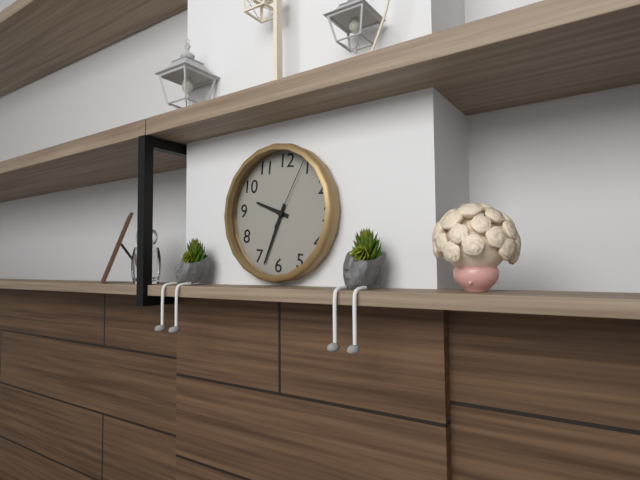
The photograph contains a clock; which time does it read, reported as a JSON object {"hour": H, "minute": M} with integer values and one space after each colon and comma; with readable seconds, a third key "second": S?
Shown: {"hour": 9, "minute": 33, "second": 4}
